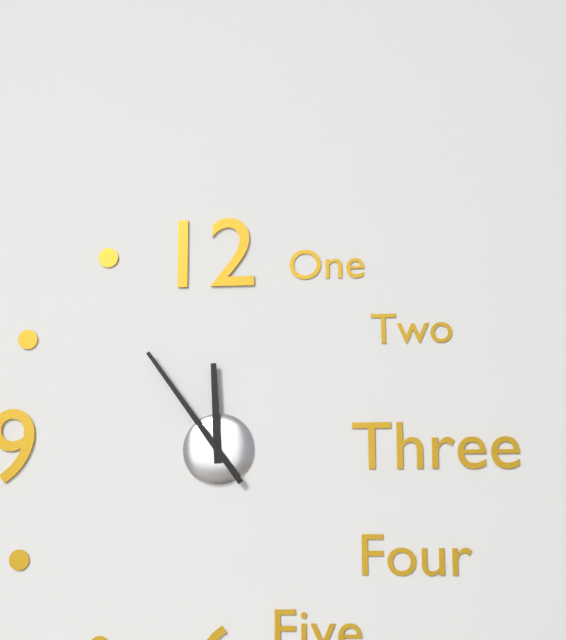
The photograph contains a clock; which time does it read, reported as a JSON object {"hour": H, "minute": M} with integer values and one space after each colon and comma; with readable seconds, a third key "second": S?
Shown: {"hour": 11, "minute": 54}
